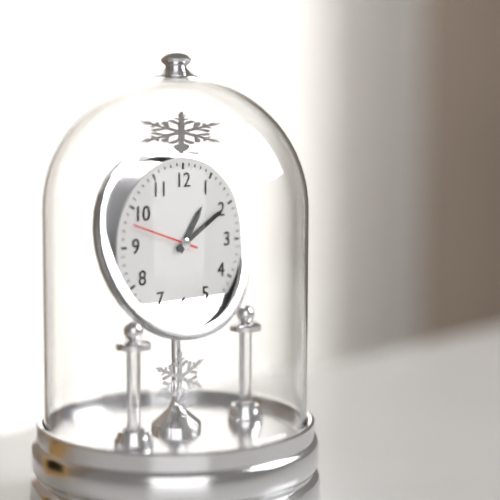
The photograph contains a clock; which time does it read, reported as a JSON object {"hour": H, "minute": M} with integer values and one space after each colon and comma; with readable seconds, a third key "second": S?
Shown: {"hour": 1, "minute": 10, "second": 48}
